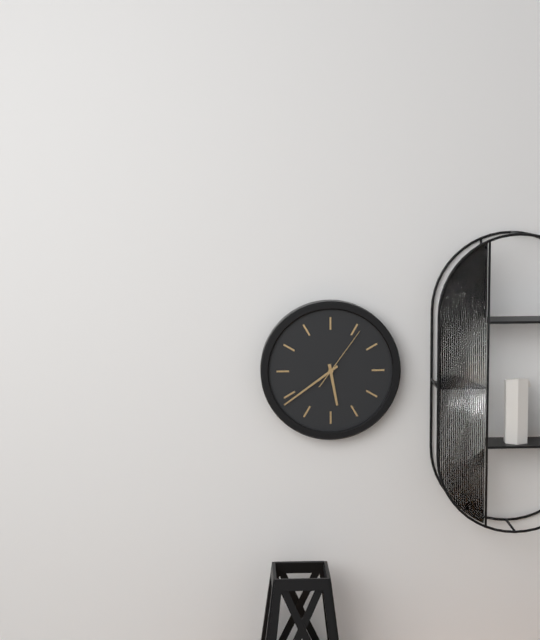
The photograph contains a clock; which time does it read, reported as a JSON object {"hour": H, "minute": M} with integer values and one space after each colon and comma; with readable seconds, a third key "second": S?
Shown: {"hour": 5, "minute": 39, "second": 6}
